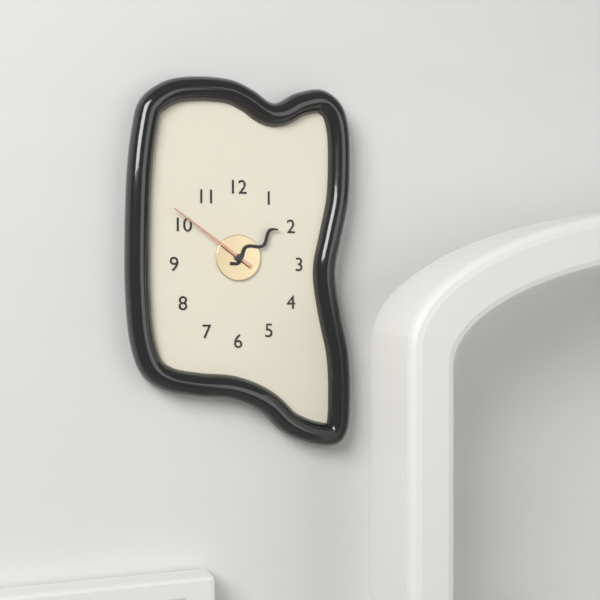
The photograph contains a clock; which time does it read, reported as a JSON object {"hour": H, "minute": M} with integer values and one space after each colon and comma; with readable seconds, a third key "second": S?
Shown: {"hour": 1, "minute": 51}
